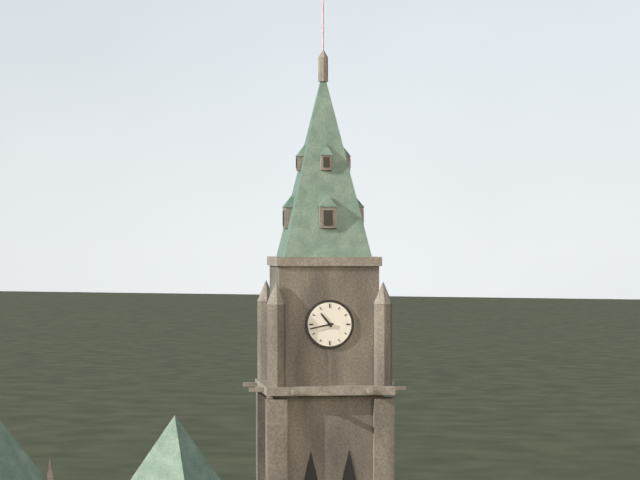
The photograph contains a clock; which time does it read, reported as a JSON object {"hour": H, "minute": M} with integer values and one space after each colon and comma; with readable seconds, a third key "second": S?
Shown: {"hour": 10, "minute": 43}
